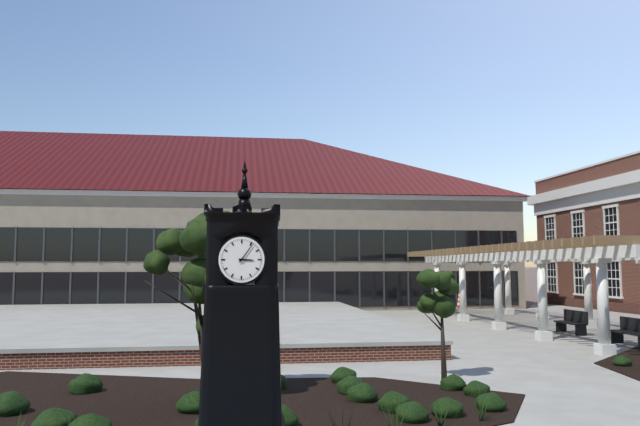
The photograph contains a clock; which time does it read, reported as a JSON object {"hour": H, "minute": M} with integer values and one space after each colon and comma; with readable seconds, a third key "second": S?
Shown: {"hour": 3, "minute": 6}
